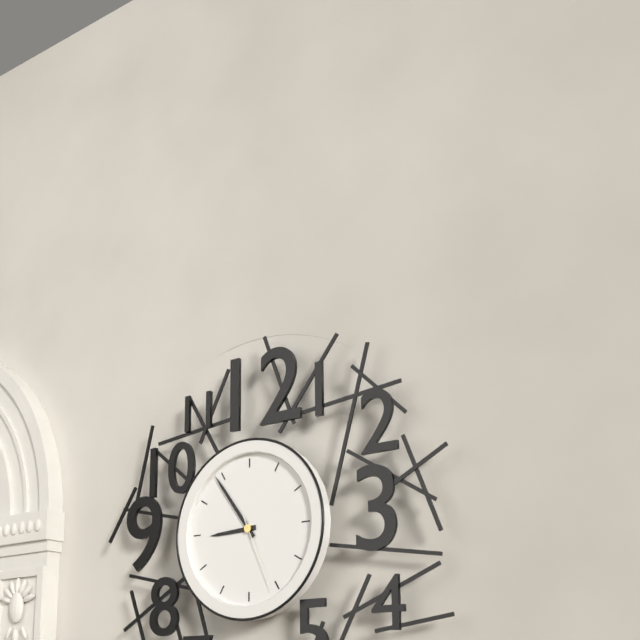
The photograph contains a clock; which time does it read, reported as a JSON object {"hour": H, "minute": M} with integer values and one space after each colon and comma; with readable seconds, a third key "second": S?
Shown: {"hour": 8, "minute": 54, "second": 26}
